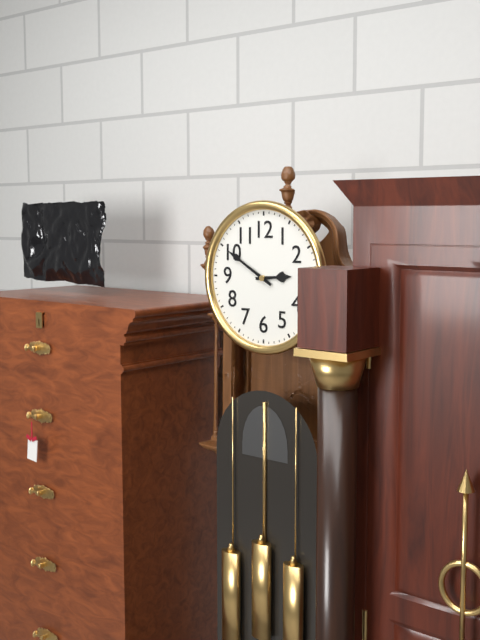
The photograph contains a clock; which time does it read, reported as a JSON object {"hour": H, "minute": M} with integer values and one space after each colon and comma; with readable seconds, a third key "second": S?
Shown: {"hour": 2, "minute": 50}
